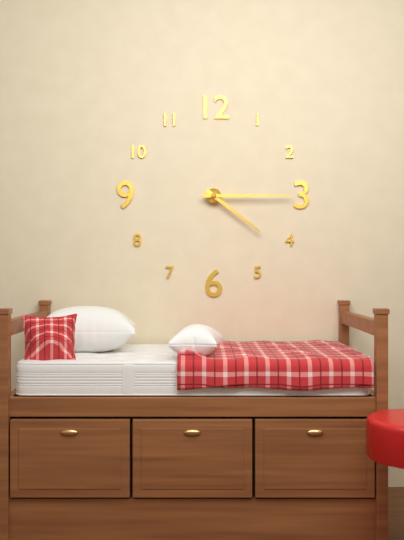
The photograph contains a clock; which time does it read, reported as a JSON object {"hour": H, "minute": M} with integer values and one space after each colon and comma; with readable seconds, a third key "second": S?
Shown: {"hour": 4, "minute": 15}
